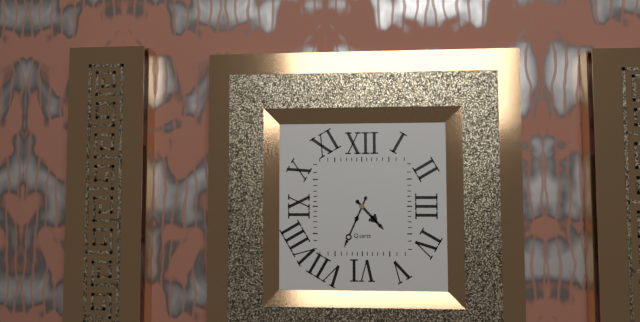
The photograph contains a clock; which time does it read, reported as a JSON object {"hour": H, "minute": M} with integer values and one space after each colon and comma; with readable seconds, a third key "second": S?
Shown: {"hour": 4, "minute": 34}
